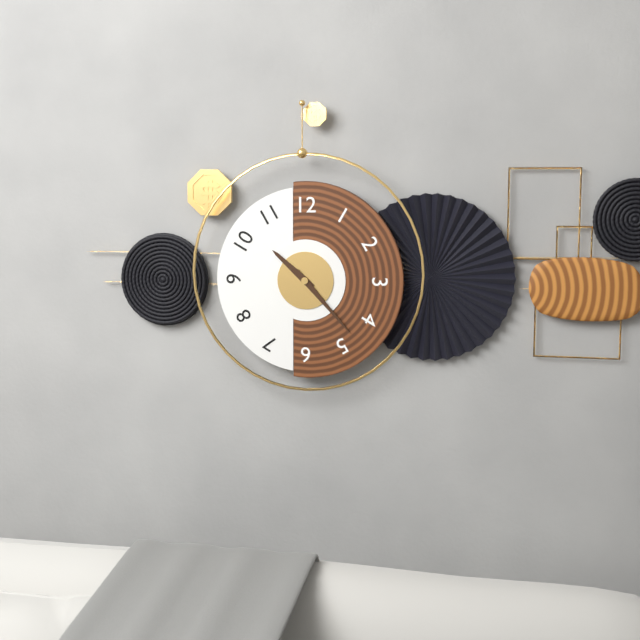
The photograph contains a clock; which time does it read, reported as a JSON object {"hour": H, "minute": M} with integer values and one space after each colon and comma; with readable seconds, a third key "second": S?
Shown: {"hour": 10, "minute": 23}
